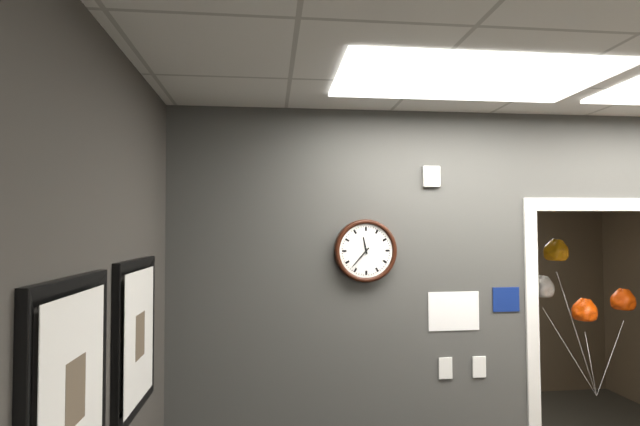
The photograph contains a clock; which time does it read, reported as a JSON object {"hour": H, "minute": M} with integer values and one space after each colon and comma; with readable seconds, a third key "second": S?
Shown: {"hour": 11, "minute": 37}
